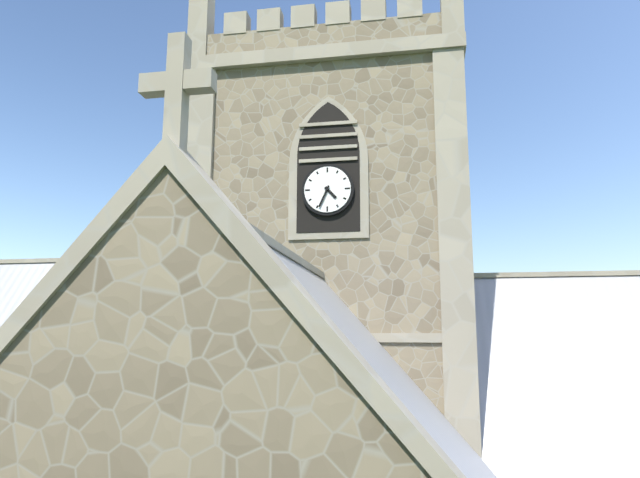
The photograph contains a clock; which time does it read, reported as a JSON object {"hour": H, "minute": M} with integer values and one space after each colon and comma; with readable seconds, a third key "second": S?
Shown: {"hour": 4, "minute": 34}
